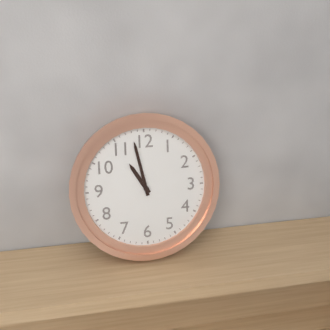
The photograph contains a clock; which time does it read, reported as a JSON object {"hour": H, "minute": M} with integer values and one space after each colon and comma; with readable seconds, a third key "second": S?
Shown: {"hour": 10, "minute": 58}
